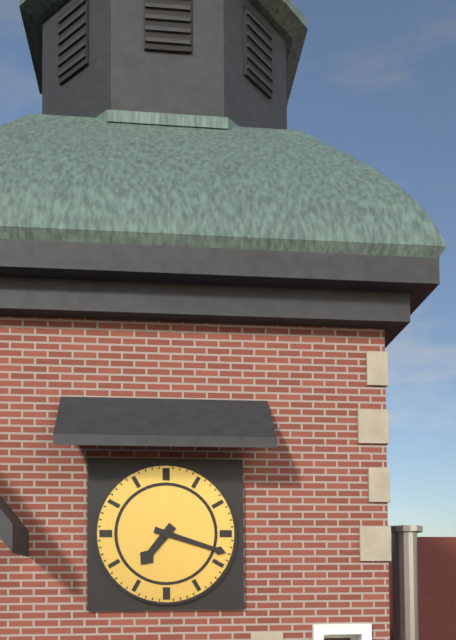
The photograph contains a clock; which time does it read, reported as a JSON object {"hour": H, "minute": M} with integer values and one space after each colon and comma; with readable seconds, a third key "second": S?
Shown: {"hour": 7, "minute": 18}
